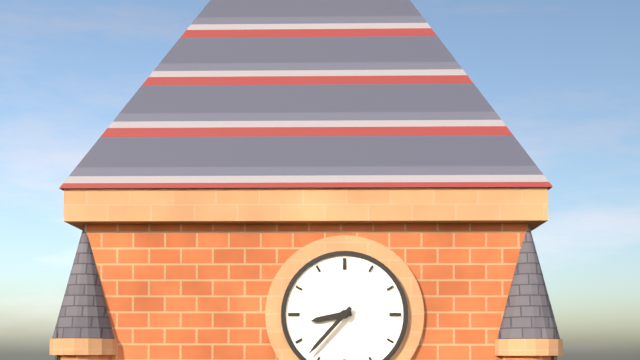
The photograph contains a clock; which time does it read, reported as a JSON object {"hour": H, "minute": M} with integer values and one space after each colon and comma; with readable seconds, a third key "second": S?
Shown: {"hour": 8, "minute": 37}
